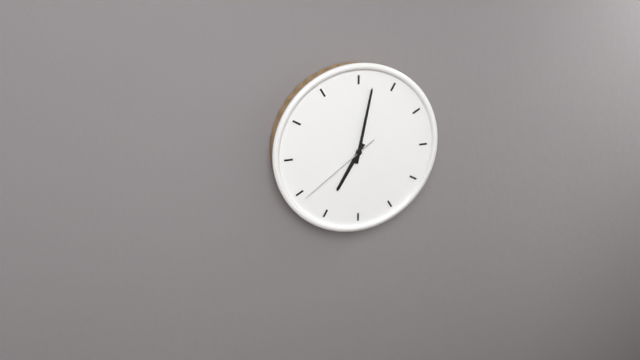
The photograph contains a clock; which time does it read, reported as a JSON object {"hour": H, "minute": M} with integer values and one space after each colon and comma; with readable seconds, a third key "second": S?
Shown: {"hour": 7, "minute": 2, "second": 39}
